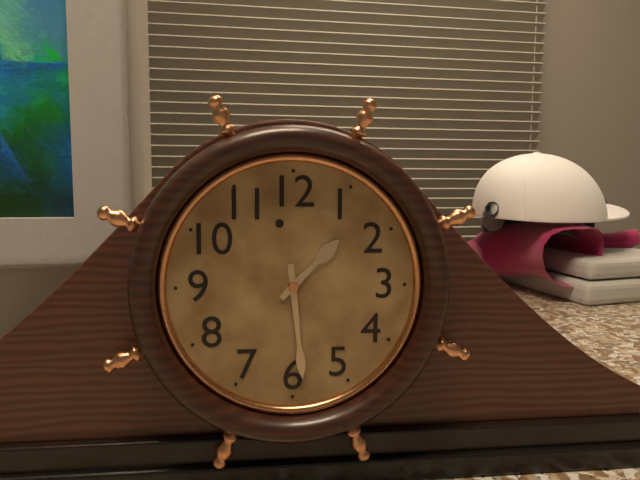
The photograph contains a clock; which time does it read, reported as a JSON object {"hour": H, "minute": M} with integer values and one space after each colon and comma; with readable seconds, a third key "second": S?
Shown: {"hour": 1, "minute": 29}
